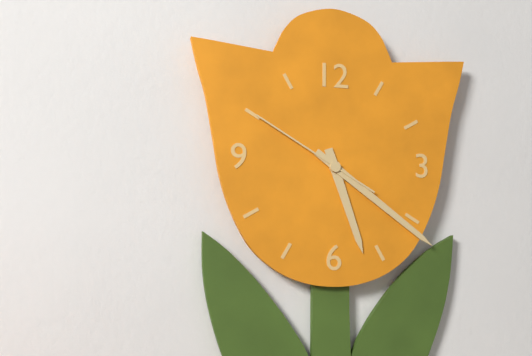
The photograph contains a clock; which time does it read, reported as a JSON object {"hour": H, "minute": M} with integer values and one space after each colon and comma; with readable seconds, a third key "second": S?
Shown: {"hour": 5, "minute": 21, "second": 50}
